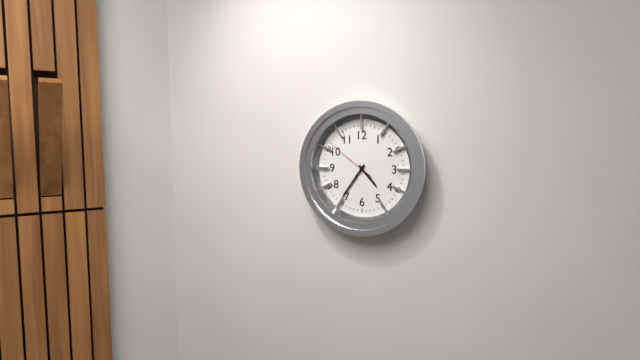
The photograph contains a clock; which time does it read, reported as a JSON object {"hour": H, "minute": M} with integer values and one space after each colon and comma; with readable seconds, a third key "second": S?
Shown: {"hour": 4, "minute": 36}
